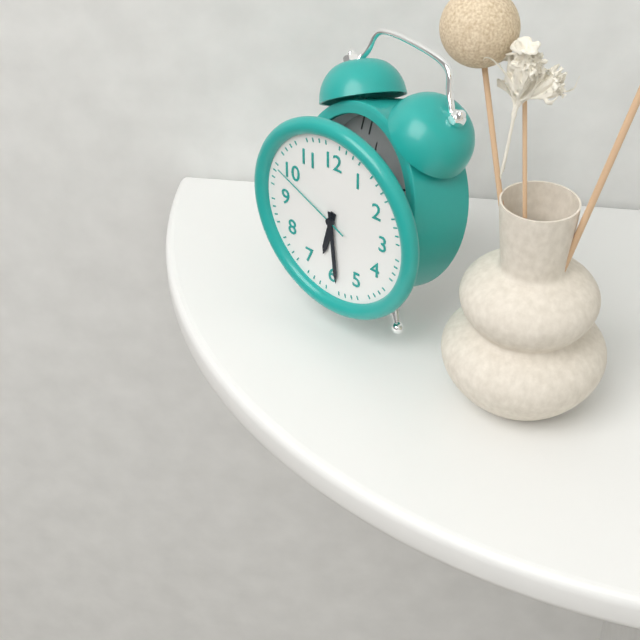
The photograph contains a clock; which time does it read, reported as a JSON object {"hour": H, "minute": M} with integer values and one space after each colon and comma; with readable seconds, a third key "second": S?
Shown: {"hour": 6, "minute": 29, "second": 49}
